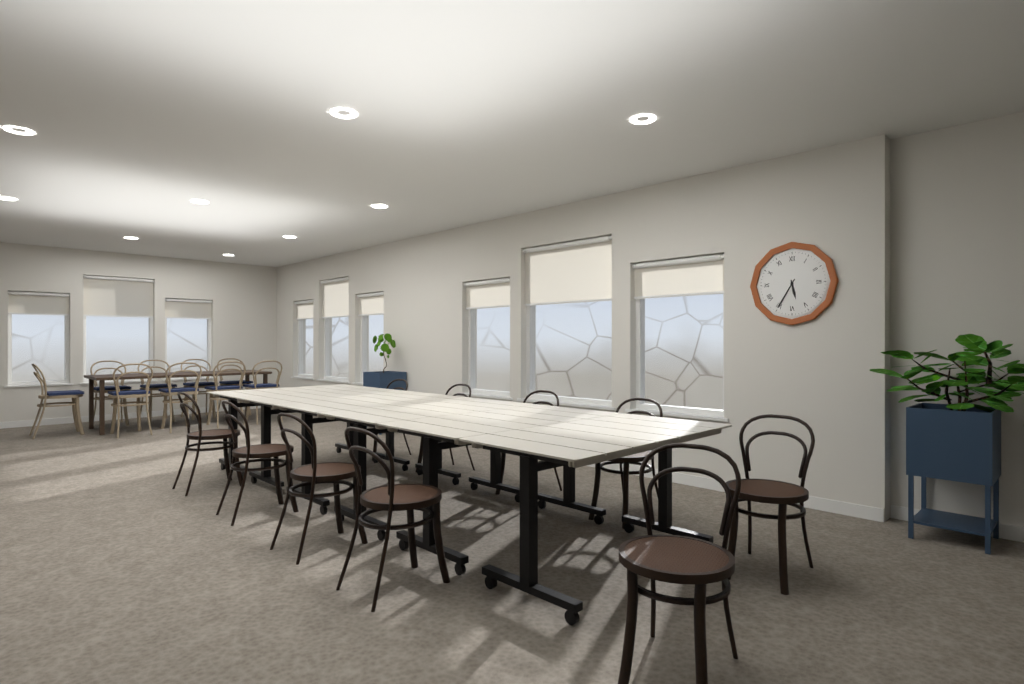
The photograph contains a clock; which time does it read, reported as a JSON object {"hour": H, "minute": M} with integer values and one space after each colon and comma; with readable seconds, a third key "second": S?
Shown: {"hour": 5, "minute": 35}
